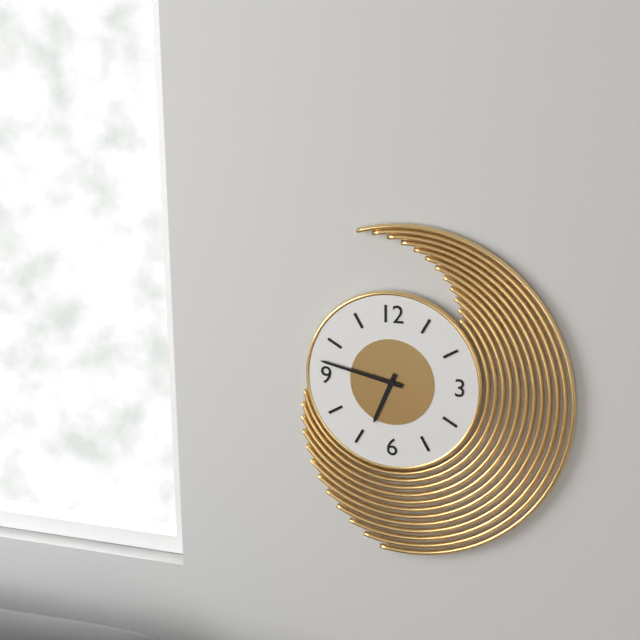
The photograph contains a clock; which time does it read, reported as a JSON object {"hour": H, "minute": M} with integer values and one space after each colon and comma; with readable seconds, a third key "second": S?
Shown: {"hour": 6, "minute": 47}
